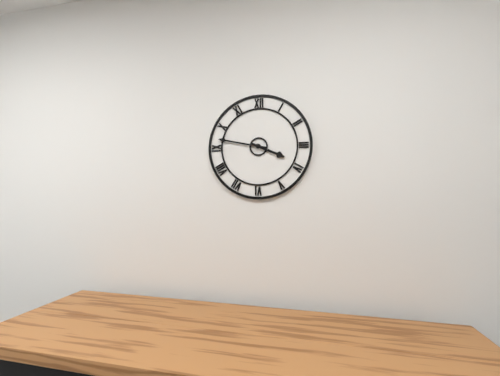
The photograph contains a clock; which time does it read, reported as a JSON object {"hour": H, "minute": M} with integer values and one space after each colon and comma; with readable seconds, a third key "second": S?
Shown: {"hour": 3, "minute": 47}
